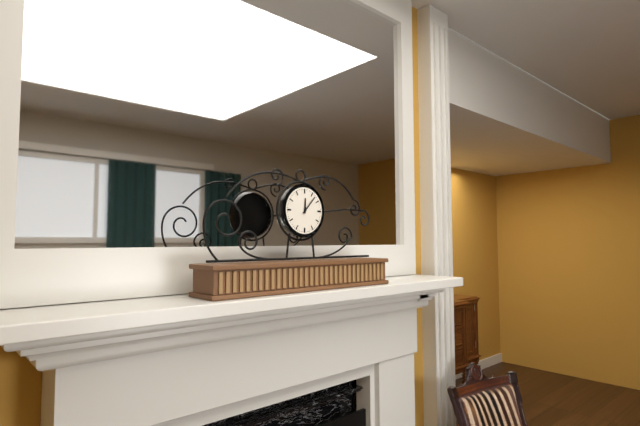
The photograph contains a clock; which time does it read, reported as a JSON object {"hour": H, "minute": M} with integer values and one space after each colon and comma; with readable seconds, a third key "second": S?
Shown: {"hour": 12, "minute": 7}
